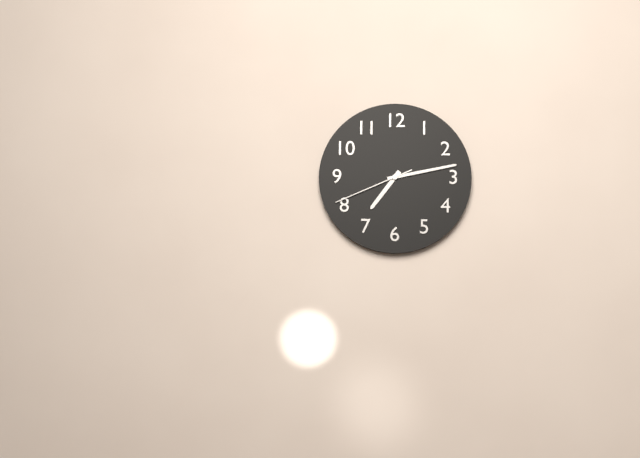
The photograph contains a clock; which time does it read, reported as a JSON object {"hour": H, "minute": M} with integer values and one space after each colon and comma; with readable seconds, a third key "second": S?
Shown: {"hour": 7, "minute": 13, "second": 41}
